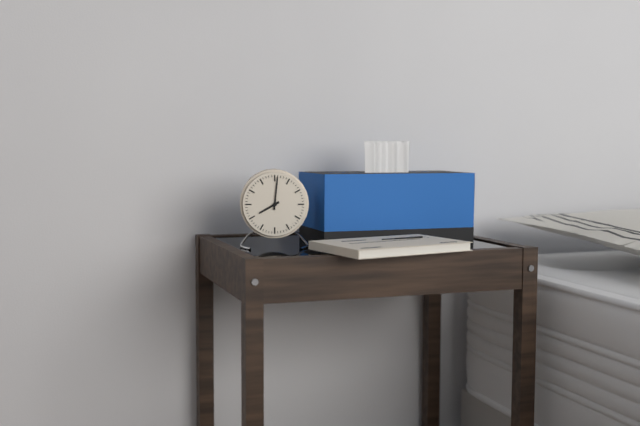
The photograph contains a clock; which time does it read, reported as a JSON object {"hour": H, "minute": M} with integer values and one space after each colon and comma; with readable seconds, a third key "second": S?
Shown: {"hour": 8, "minute": 1}
